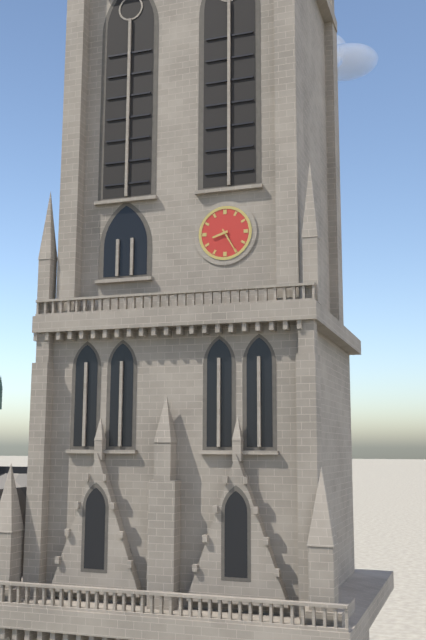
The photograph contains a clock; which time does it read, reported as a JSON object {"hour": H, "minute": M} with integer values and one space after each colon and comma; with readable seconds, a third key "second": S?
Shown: {"hour": 8, "minute": 25}
